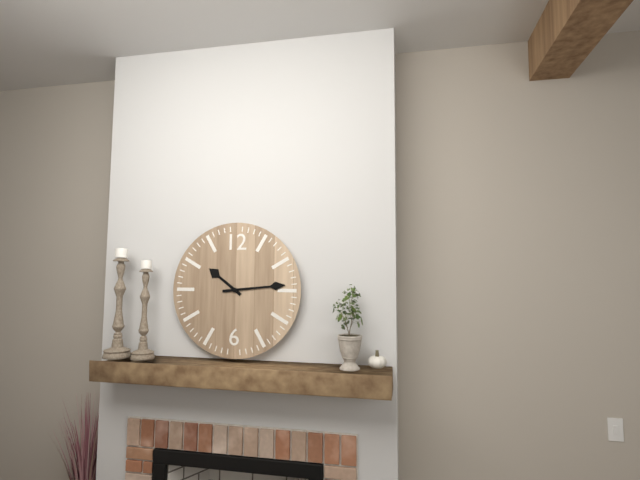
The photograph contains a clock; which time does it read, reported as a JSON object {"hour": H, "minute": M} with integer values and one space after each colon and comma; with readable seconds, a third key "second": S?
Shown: {"hour": 10, "minute": 14}
